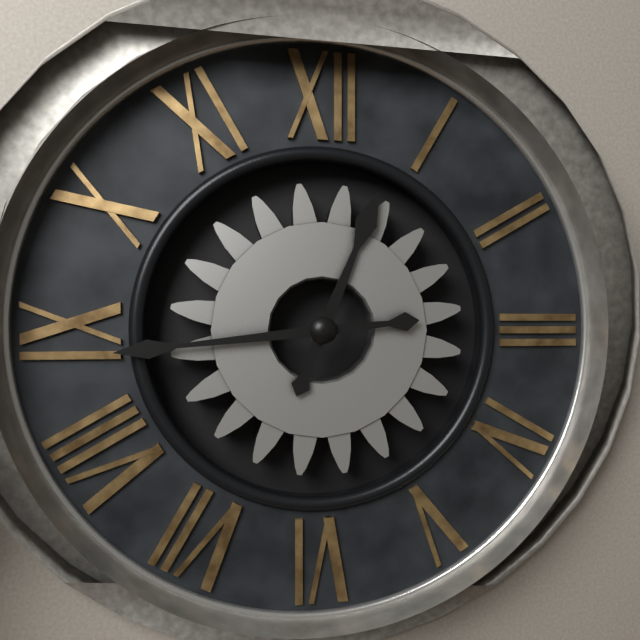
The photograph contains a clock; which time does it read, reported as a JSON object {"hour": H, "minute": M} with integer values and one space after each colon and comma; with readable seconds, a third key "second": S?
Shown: {"hour": 12, "minute": 44}
